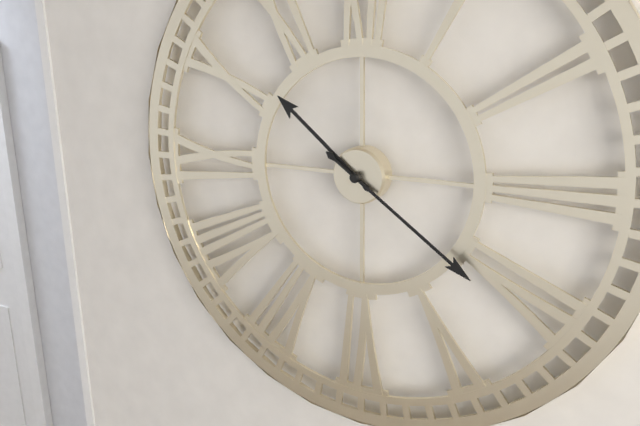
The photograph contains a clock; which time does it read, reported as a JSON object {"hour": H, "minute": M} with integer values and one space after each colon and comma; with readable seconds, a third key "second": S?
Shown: {"hour": 10, "minute": 21}
